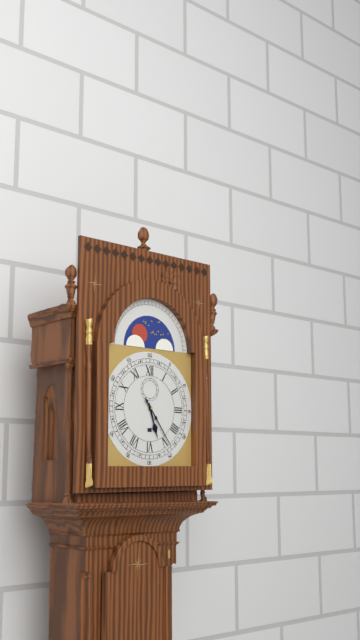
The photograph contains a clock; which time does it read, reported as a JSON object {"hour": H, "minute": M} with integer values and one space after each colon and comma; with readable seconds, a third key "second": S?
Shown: {"hour": 5, "minute": 24}
